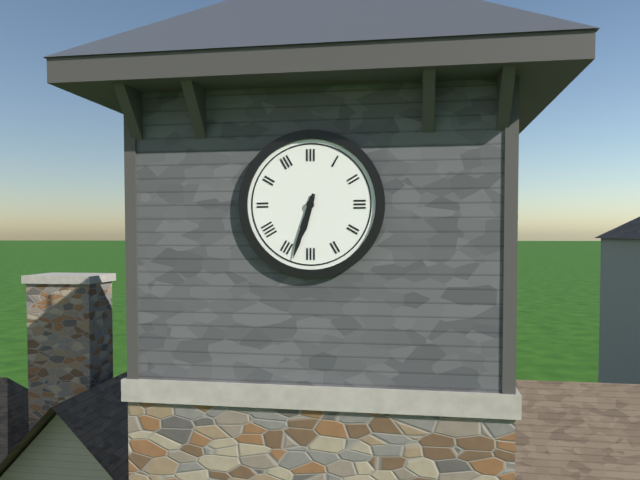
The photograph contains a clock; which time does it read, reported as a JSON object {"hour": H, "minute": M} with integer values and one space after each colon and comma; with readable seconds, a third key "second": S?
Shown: {"hour": 6, "minute": 33}
